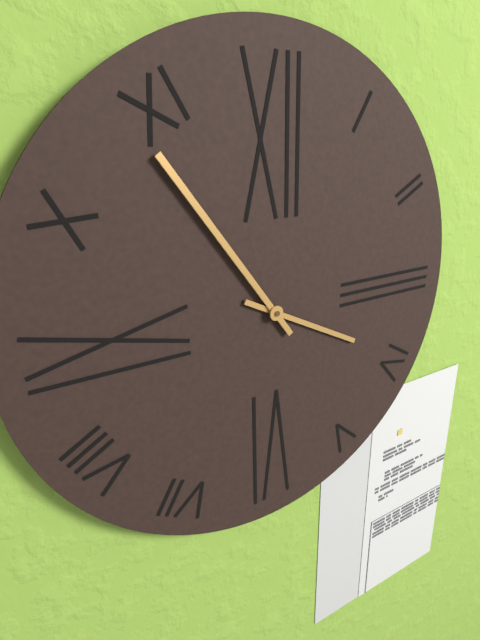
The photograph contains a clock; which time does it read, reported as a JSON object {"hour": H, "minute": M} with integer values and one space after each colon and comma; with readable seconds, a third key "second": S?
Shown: {"hour": 3, "minute": 54}
